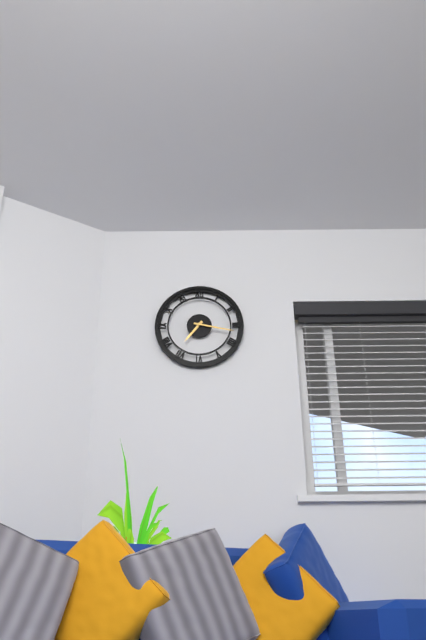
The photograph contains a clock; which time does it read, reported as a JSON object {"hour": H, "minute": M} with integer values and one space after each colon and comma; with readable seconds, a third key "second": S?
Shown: {"hour": 7, "minute": 17}
